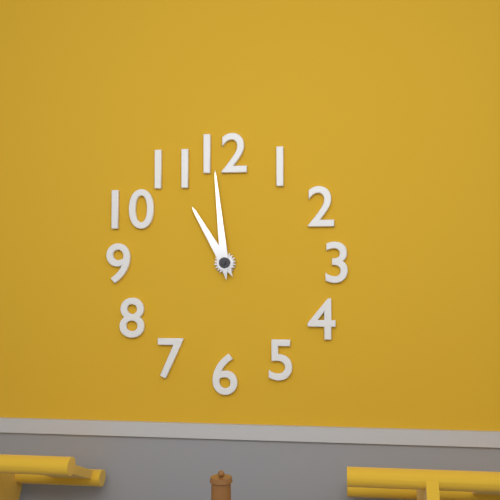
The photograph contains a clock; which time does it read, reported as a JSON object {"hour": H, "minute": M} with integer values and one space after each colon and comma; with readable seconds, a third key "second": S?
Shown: {"hour": 10, "minute": 59}
